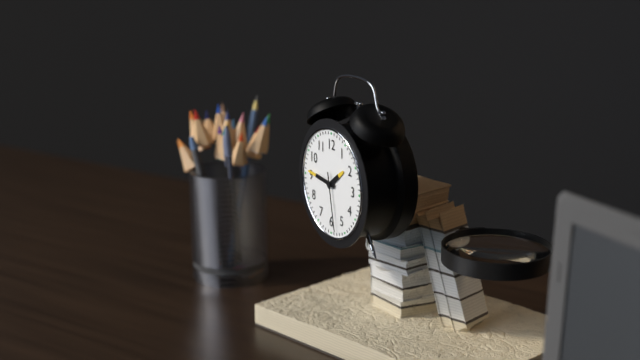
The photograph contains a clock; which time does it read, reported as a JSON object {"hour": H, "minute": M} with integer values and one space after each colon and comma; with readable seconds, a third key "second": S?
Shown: {"hour": 1, "minute": 46, "second": 28}
